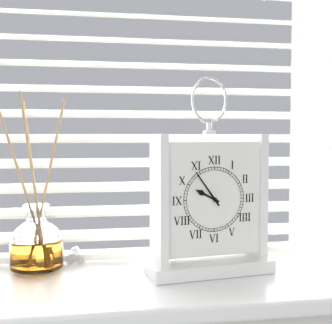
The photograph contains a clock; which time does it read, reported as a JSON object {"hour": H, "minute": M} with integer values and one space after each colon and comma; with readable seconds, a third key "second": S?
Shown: {"hour": 9, "minute": 54}
